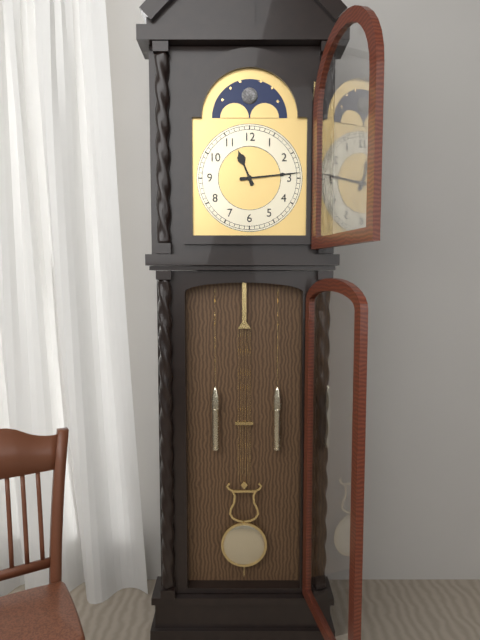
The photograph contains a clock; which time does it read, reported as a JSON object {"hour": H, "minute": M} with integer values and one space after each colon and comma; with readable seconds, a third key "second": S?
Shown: {"hour": 11, "minute": 14}
